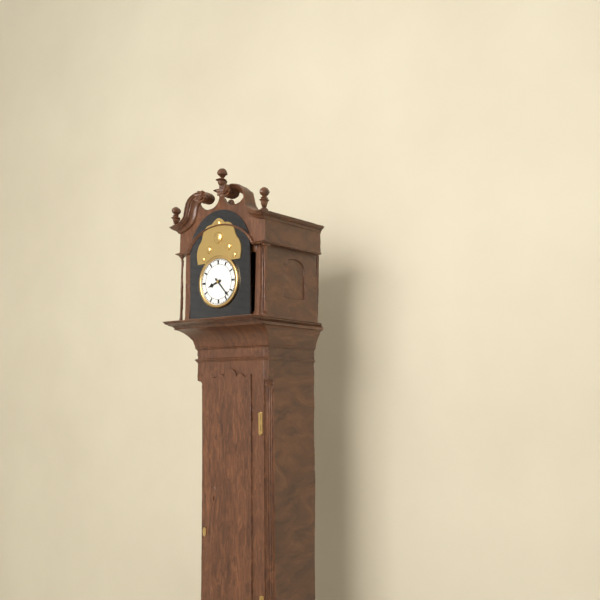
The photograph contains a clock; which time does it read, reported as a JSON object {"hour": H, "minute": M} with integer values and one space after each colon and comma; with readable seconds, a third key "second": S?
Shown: {"hour": 8, "minute": 23}
